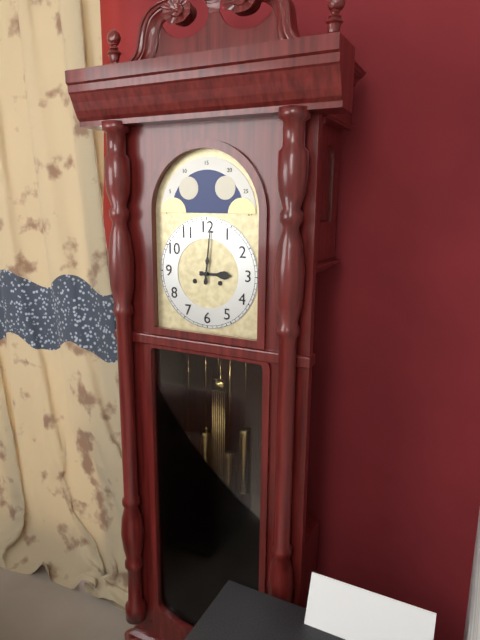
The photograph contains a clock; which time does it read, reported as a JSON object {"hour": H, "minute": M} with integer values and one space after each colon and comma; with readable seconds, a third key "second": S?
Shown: {"hour": 3, "minute": 1}
